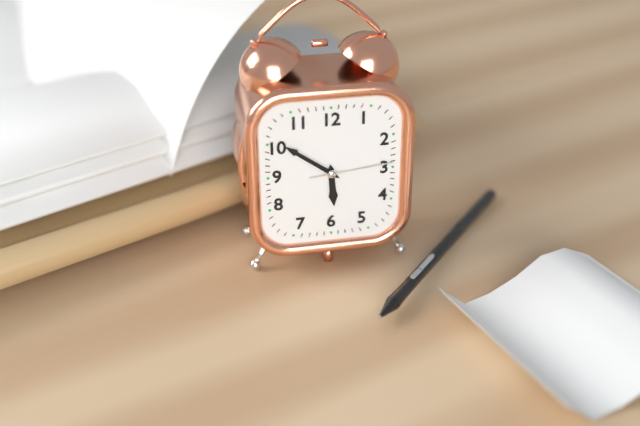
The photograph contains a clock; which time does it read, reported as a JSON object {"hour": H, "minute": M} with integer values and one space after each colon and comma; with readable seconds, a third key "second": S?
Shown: {"hour": 5, "minute": 51, "second": 14}
